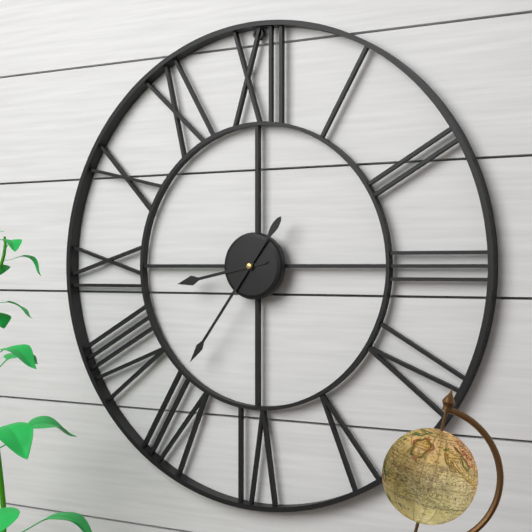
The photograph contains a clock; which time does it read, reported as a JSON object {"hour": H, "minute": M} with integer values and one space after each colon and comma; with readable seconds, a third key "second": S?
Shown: {"hour": 8, "minute": 36}
